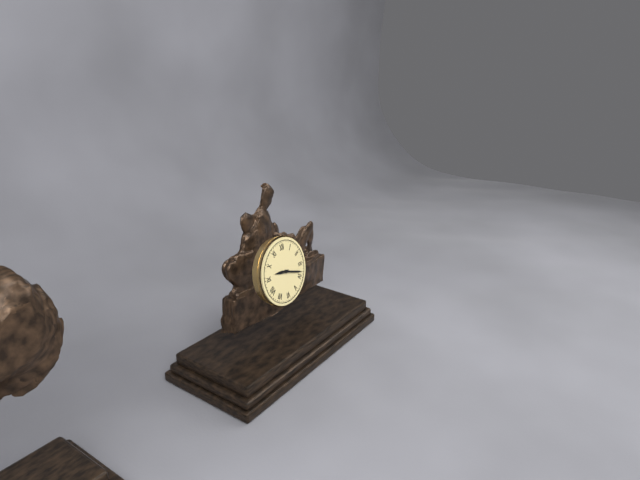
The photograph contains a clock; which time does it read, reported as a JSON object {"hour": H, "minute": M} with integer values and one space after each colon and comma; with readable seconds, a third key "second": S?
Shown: {"hour": 9, "minute": 18}
